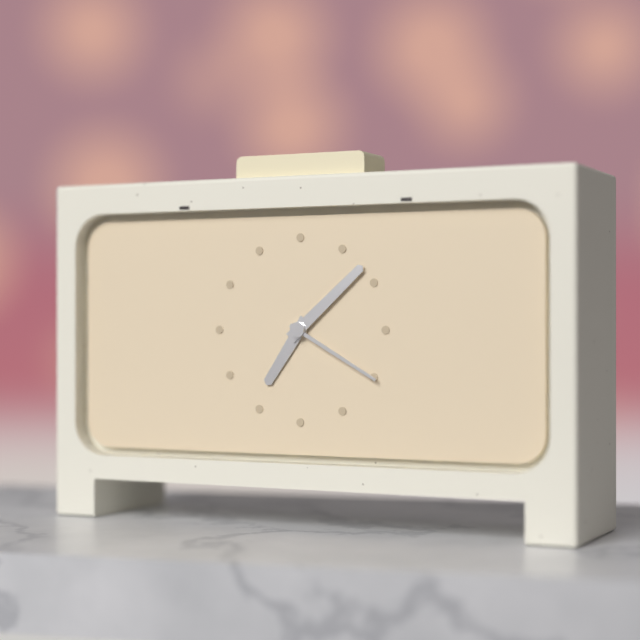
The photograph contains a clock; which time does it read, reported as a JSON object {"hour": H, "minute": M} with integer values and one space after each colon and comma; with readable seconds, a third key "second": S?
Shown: {"hour": 7, "minute": 8, "second": 20}
